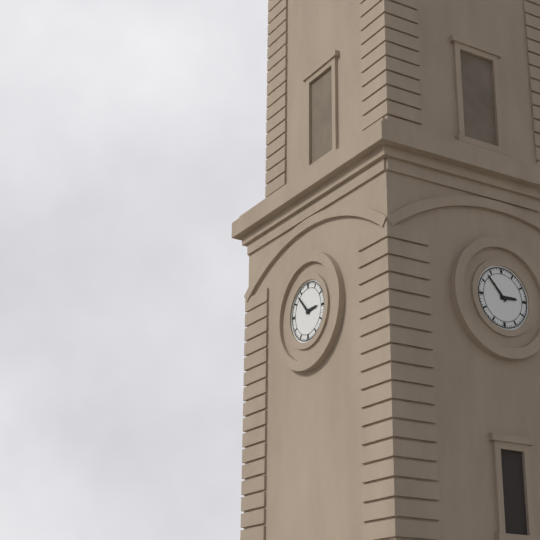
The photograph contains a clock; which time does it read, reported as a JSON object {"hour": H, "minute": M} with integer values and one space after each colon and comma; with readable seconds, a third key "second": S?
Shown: {"hour": 2, "minute": 53}
